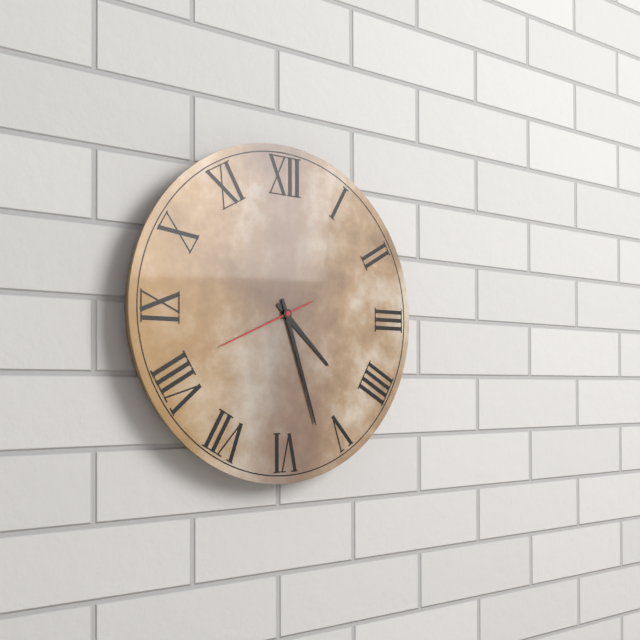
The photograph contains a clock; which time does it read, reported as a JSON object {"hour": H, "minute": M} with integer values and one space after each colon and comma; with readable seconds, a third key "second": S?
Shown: {"hour": 4, "minute": 27, "second": 41}
